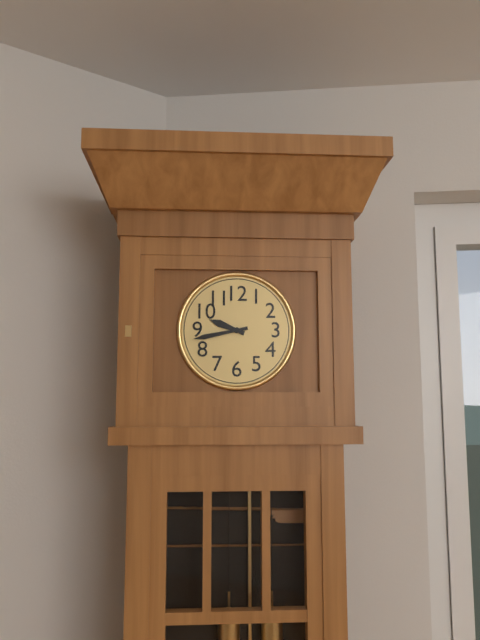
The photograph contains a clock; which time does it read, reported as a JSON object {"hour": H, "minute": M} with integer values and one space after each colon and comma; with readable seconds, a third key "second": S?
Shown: {"hour": 9, "minute": 43}
